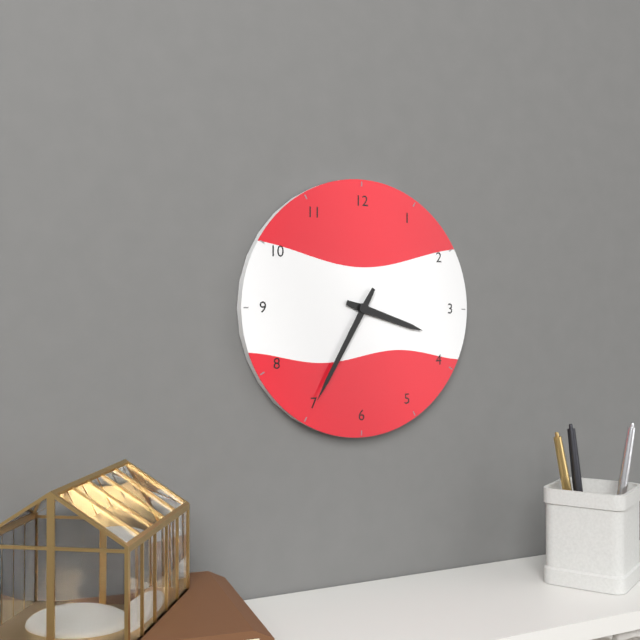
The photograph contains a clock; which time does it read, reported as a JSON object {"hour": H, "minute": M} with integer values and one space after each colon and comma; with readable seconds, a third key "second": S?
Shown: {"hour": 3, "minute": 35}
